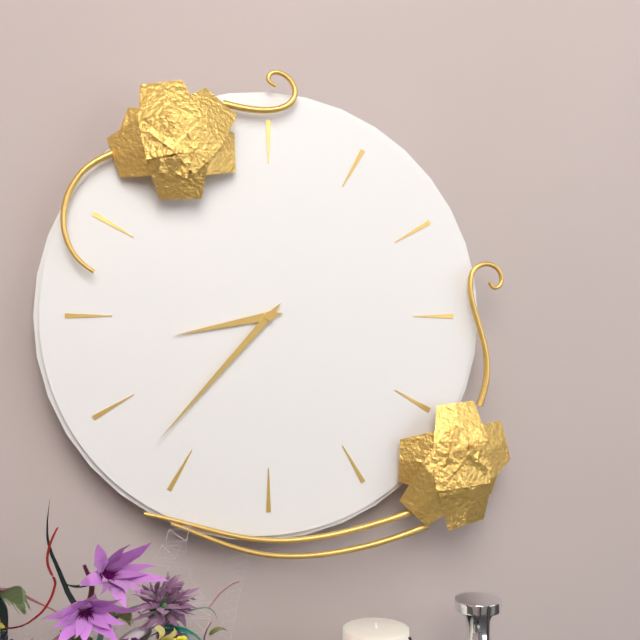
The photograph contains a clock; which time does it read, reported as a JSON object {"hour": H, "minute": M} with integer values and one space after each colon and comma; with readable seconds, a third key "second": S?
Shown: {"hour": 8, "minute": 37}
